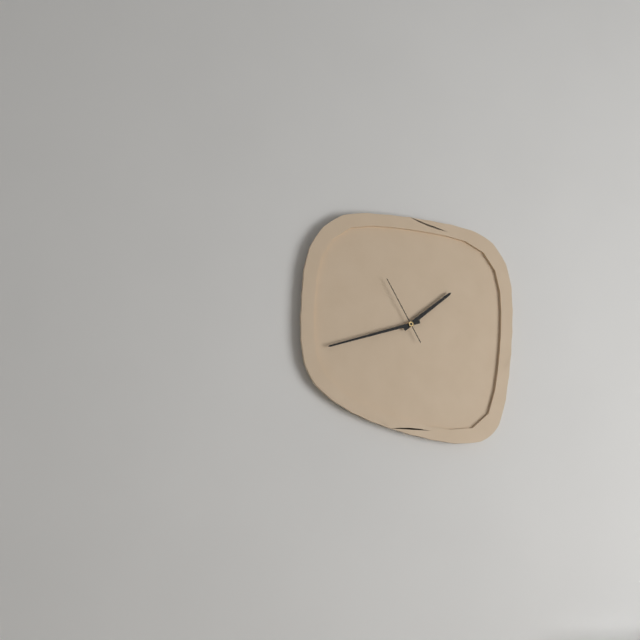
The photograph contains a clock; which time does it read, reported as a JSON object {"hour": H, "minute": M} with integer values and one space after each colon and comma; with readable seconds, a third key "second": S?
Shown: {"hour": 1, "minute": 42, "second": 55}
